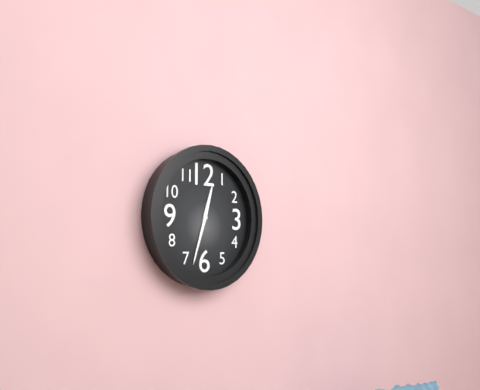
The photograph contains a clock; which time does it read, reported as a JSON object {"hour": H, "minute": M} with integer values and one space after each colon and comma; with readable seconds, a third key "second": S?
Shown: {"hour": 12, "minute": 33}
